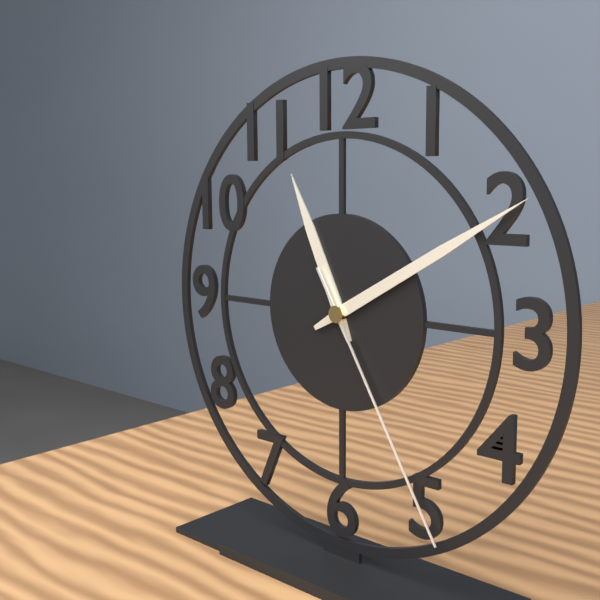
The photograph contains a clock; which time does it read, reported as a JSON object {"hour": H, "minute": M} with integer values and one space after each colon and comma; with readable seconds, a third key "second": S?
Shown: {"hour": 11, "minute": 10, "second": 25}
